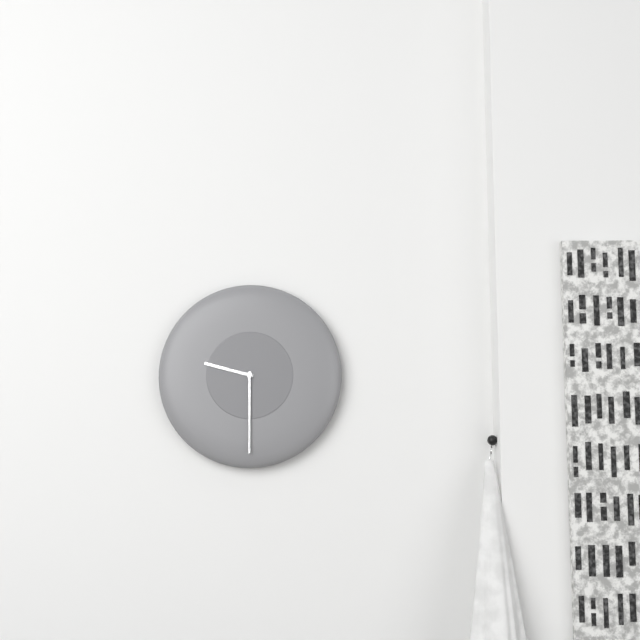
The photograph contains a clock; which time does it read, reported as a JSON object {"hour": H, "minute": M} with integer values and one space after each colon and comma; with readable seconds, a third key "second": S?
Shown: {"hour": 9, "minute": 30}
